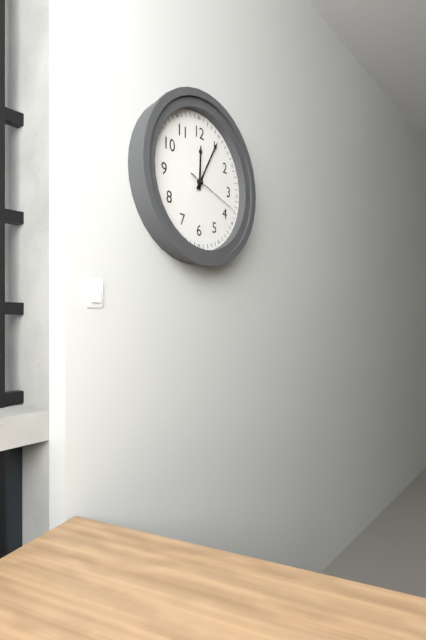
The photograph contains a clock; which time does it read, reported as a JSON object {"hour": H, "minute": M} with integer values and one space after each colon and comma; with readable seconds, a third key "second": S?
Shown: {"hour": 12, "minute": 5, "second": 18}
